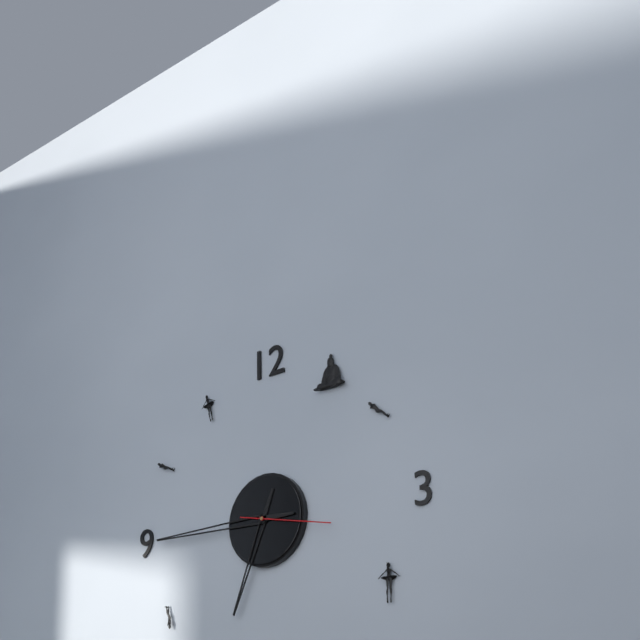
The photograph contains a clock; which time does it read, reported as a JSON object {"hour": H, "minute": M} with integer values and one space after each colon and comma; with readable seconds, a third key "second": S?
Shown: {"hour": 6, "minute": 45, "second": 17}
